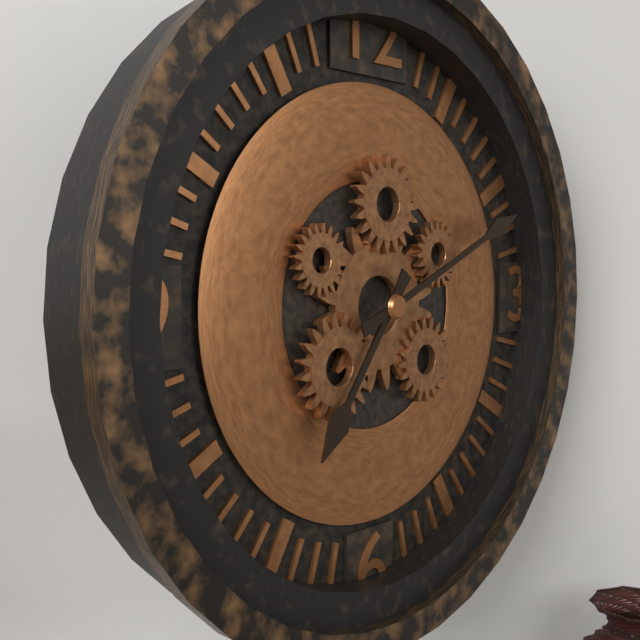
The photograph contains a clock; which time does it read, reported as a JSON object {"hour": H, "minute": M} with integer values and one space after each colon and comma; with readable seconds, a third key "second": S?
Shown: {"hour": 7, "minute": 11}
